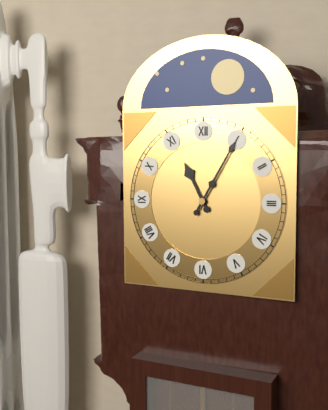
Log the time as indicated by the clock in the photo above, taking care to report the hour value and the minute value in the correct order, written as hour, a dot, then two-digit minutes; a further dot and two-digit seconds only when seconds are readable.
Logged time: 11.05
